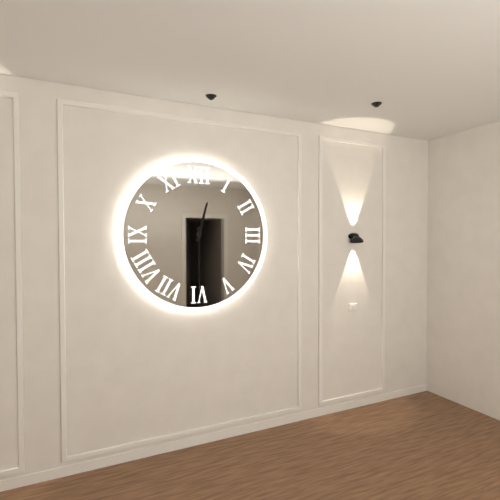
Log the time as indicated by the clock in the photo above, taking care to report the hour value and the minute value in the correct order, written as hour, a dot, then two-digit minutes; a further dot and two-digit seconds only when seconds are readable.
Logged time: 12.30
